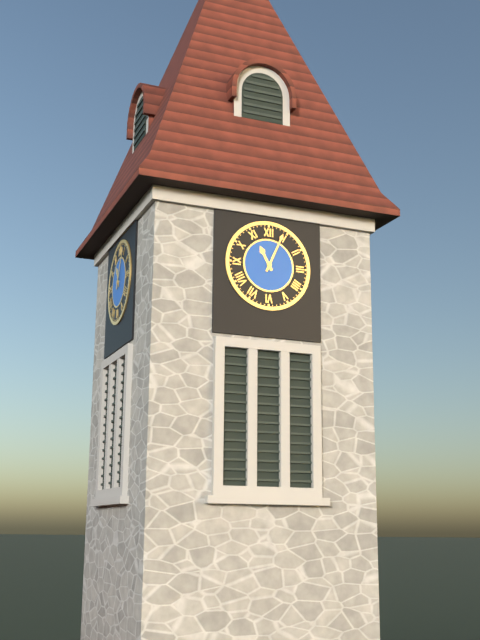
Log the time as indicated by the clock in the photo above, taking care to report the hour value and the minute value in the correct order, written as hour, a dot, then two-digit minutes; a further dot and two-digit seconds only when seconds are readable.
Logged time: 11.04
